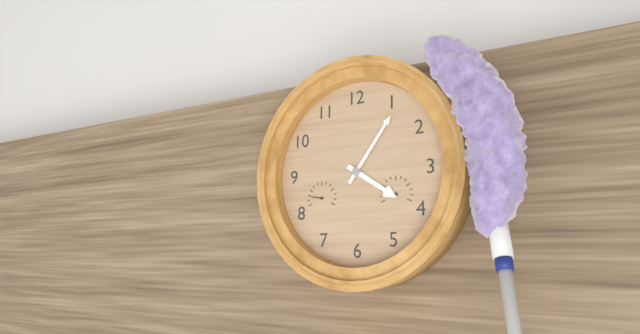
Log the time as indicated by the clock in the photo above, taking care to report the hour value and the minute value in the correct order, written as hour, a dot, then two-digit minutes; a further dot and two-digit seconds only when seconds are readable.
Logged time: 4.06
